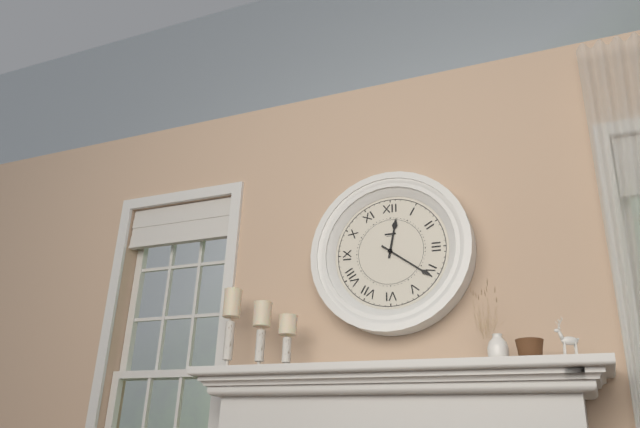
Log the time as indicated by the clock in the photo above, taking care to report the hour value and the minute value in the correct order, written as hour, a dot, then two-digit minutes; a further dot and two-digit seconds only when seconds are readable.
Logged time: 12.21
